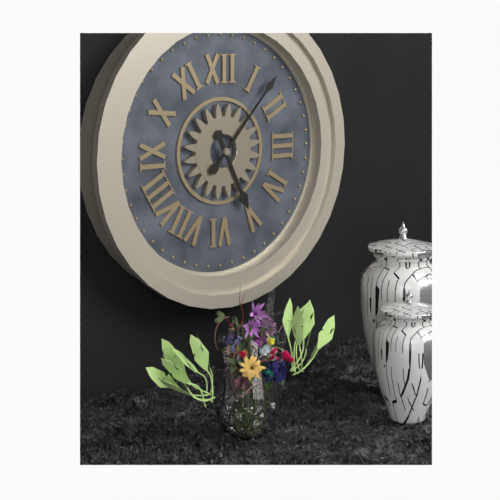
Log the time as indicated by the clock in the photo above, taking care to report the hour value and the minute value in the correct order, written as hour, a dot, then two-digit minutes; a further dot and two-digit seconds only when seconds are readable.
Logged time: 5.07
